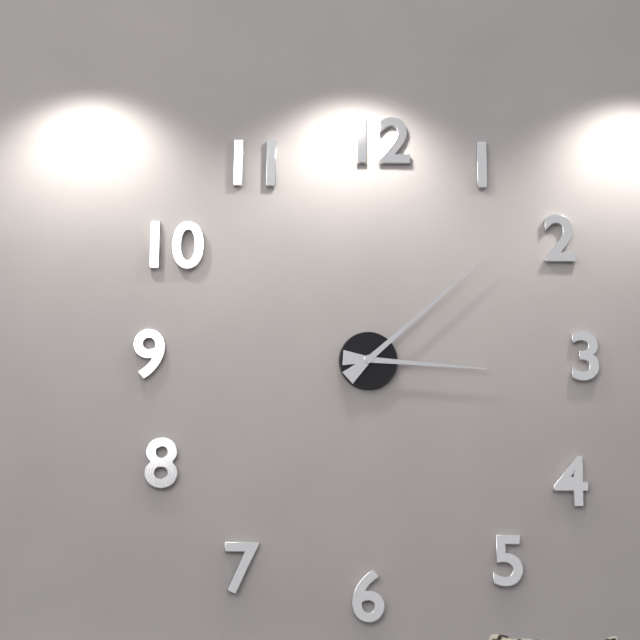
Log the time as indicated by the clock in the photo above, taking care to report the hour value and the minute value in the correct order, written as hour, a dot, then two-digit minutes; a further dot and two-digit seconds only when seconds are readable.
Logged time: 3.08
